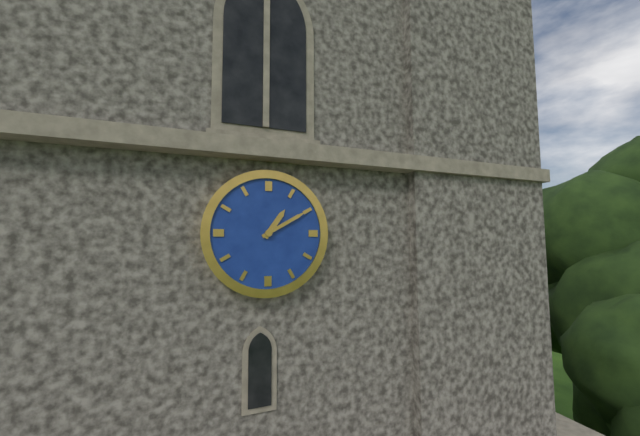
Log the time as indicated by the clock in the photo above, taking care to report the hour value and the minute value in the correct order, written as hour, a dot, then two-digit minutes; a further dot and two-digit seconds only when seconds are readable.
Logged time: 1.10
